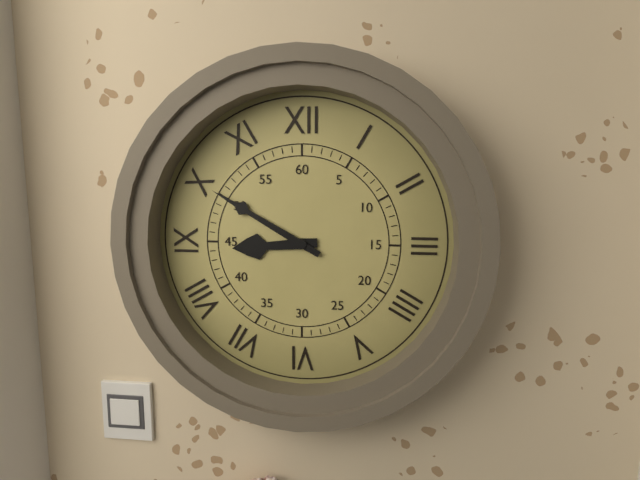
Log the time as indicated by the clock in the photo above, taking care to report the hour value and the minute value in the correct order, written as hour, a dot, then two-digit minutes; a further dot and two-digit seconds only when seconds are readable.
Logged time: 8.50
